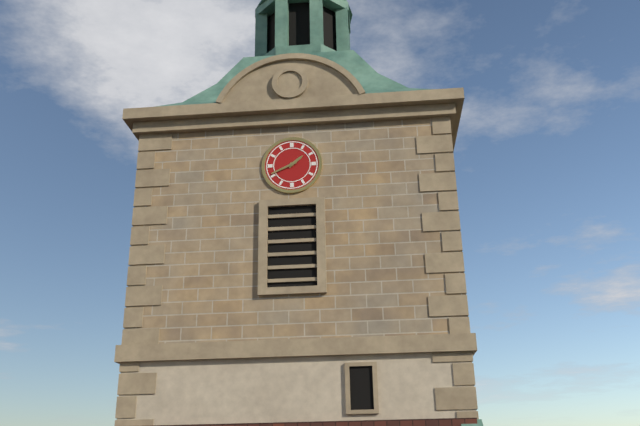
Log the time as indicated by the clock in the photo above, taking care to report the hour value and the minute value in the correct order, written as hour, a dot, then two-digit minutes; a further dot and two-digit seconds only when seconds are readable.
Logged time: 1.41
